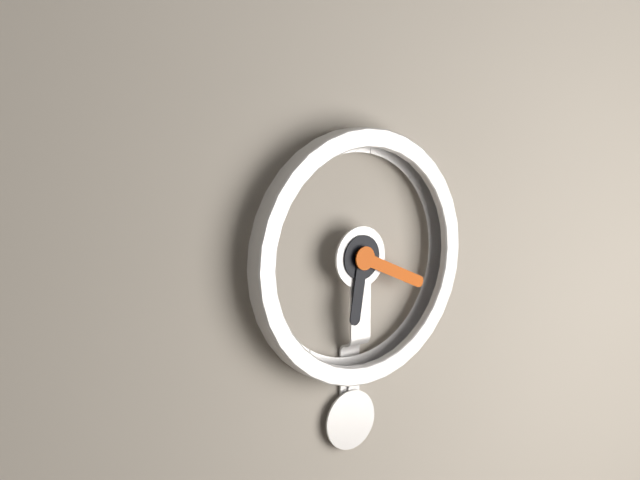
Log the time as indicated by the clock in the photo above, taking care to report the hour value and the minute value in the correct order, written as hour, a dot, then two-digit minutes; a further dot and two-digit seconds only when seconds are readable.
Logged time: 6.19
